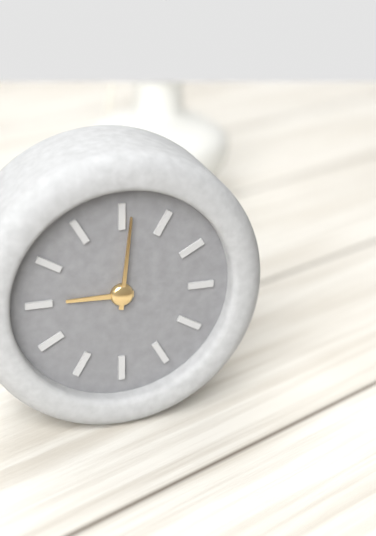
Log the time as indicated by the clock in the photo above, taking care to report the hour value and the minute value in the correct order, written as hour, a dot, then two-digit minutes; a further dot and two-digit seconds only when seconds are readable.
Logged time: 9.01
